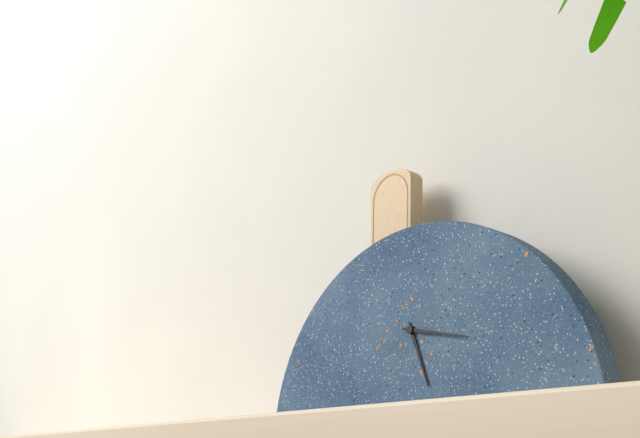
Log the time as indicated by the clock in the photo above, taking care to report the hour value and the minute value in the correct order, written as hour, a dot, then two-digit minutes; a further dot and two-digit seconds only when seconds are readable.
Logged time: 5.17
